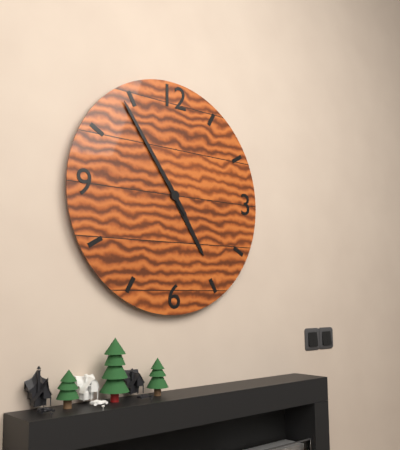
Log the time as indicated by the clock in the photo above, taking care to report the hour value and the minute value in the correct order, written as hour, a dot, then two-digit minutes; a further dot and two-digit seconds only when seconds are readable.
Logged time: 4.54
